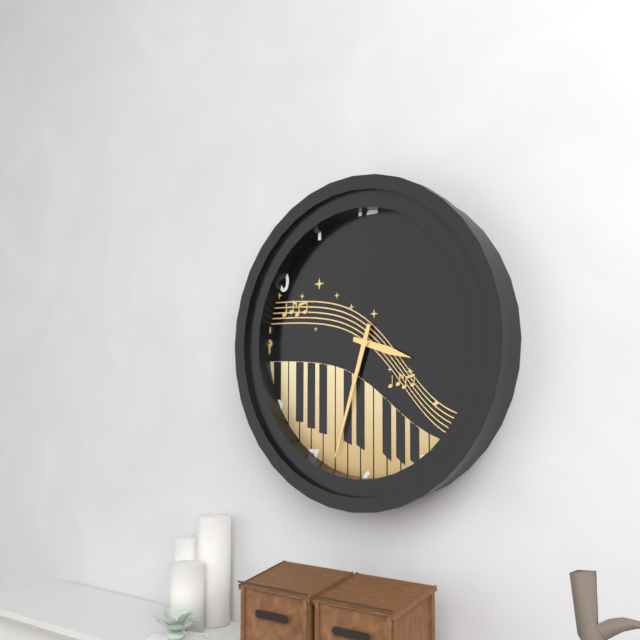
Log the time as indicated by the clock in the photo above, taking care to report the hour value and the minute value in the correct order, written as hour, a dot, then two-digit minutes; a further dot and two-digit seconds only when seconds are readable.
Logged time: 3.33
